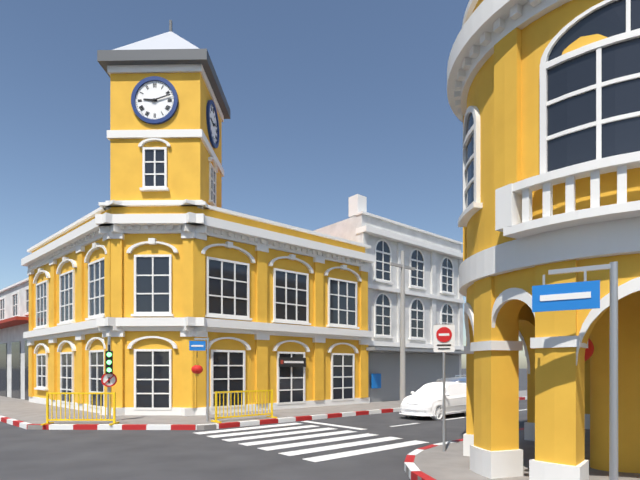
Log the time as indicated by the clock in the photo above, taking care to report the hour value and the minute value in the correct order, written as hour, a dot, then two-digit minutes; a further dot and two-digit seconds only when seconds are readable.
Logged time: 9.12
